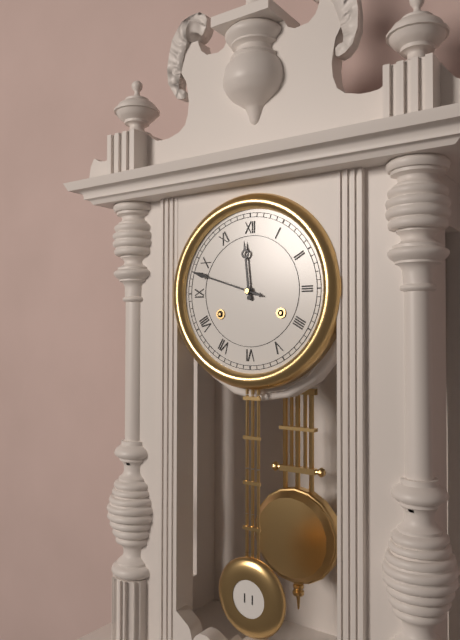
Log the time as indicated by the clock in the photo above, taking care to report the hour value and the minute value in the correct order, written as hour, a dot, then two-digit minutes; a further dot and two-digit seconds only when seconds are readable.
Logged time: 11.48
